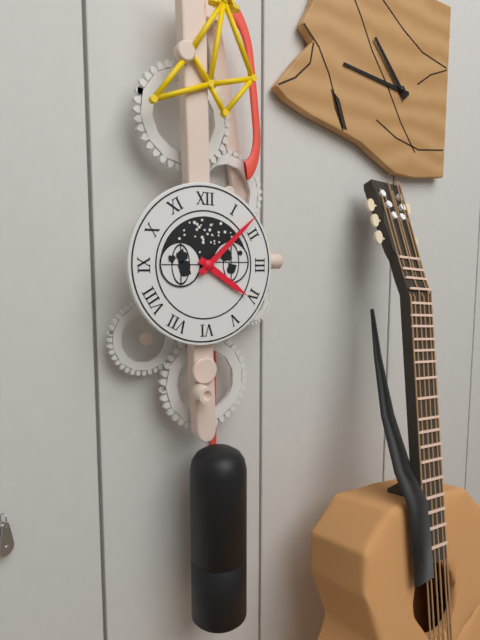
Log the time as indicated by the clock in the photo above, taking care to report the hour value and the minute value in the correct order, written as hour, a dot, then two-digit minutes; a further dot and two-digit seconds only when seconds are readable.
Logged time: 4.08
